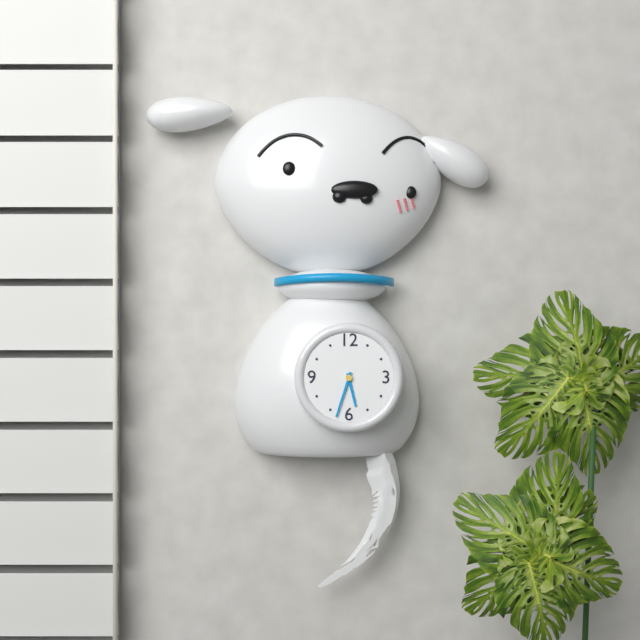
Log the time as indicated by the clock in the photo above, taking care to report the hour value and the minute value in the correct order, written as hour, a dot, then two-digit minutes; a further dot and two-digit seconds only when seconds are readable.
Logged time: 5.33
